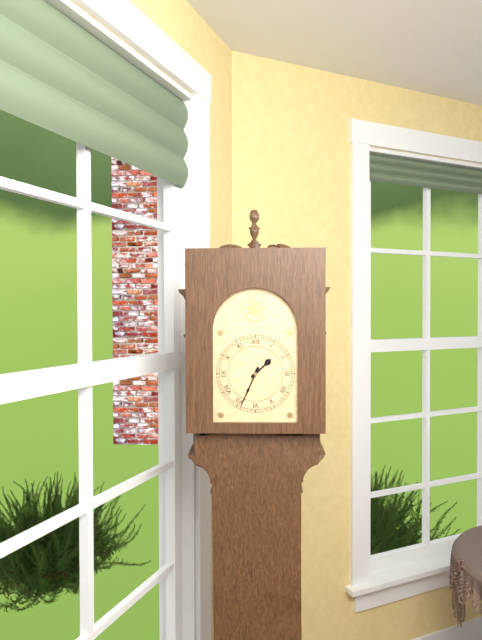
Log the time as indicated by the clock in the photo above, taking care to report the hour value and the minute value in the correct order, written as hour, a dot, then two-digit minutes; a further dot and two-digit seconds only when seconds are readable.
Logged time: 1.34
